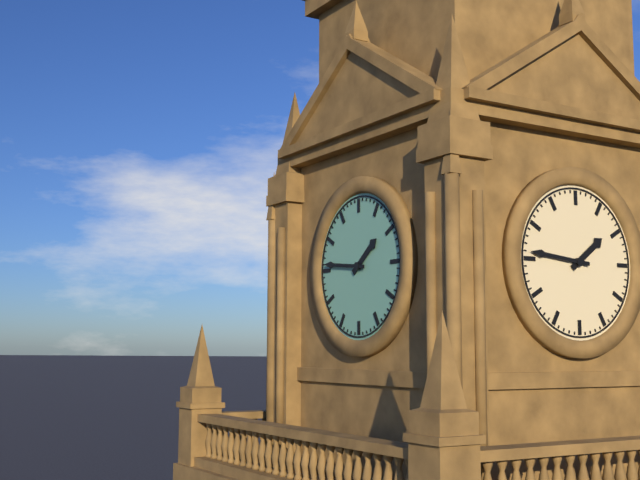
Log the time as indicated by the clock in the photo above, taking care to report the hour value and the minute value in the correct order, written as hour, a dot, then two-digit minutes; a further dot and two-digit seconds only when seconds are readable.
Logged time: 1.46
